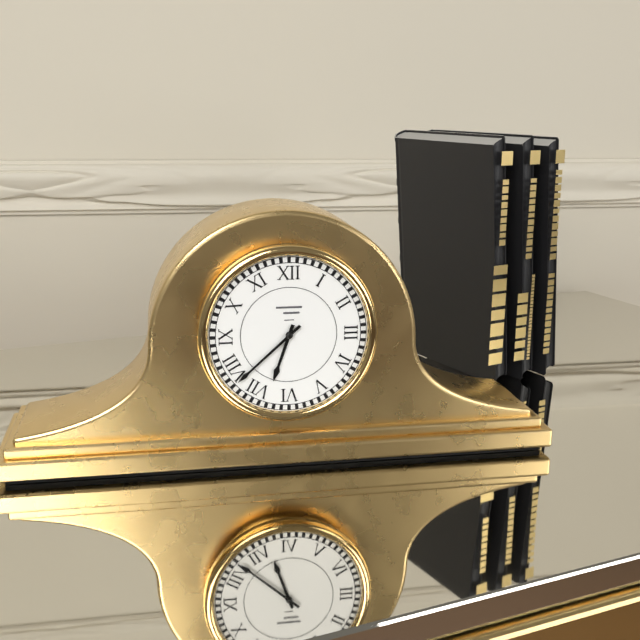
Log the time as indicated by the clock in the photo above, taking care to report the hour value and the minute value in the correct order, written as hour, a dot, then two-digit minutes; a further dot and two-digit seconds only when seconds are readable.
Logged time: 6.38
